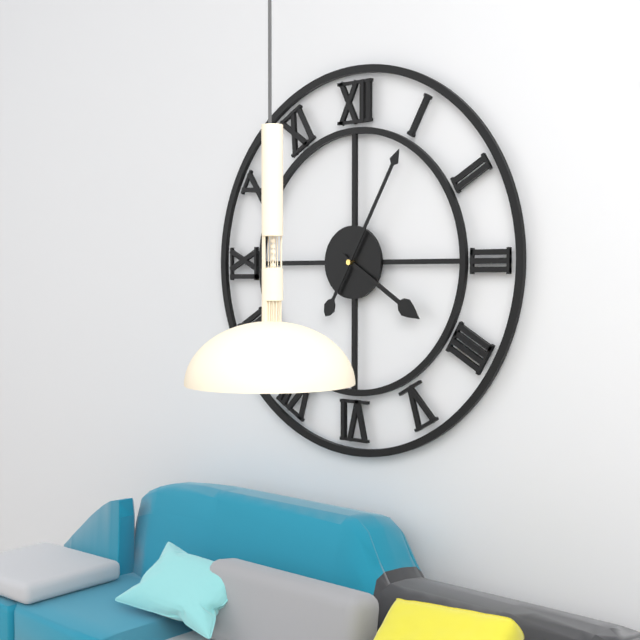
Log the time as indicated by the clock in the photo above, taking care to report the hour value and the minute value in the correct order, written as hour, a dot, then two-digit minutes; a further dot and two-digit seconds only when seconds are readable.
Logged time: 4.05
